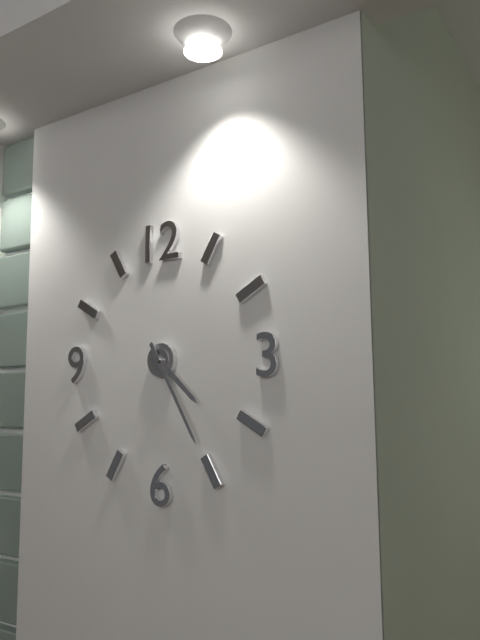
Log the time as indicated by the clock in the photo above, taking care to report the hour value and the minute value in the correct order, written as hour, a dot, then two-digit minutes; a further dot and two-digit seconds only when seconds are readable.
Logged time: 4.25
